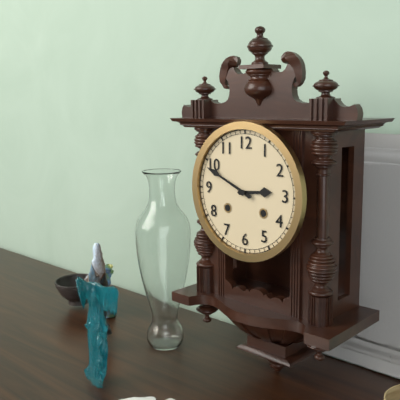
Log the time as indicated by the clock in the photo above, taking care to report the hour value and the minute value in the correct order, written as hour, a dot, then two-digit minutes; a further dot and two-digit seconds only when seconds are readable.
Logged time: 2.49
